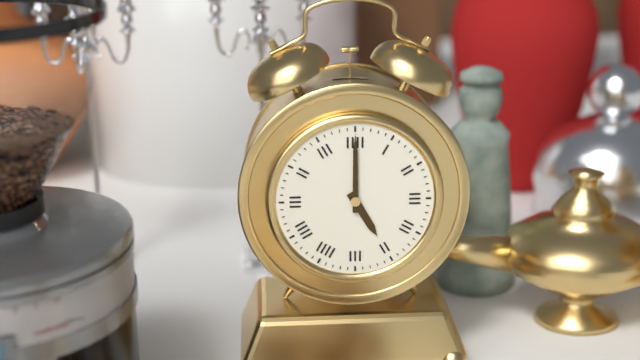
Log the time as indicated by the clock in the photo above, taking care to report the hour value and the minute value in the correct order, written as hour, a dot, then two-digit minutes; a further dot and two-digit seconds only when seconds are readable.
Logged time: 5.00
